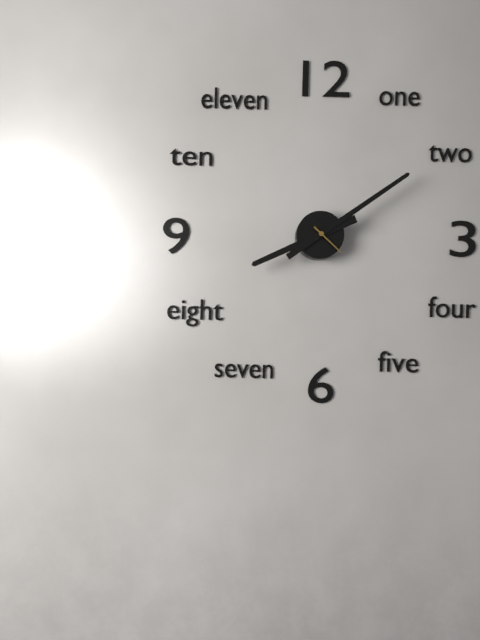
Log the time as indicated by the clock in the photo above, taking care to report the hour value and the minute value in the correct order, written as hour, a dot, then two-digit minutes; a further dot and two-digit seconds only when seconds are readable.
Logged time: 8.09
